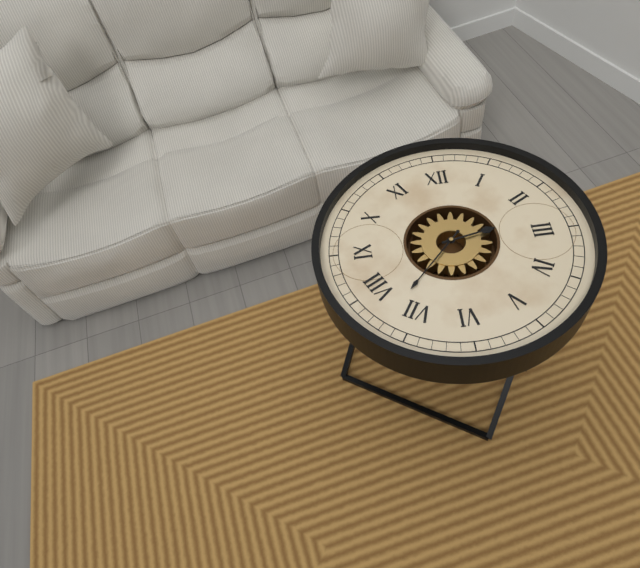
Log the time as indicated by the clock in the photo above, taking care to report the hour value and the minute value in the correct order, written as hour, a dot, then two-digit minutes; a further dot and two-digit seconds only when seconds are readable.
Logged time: 2.37
